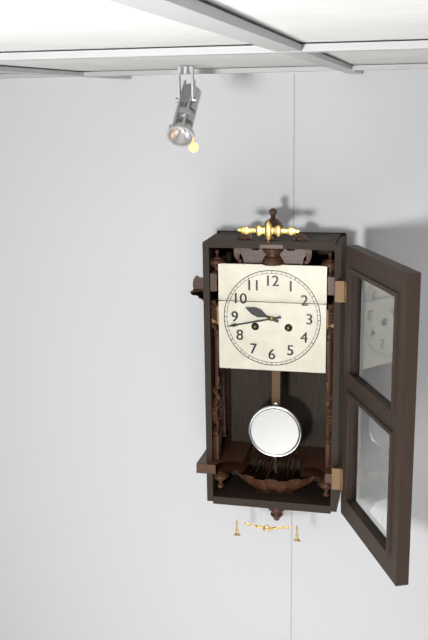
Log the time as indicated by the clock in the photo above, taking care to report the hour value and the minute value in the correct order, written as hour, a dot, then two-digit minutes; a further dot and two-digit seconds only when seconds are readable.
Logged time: 9.43
